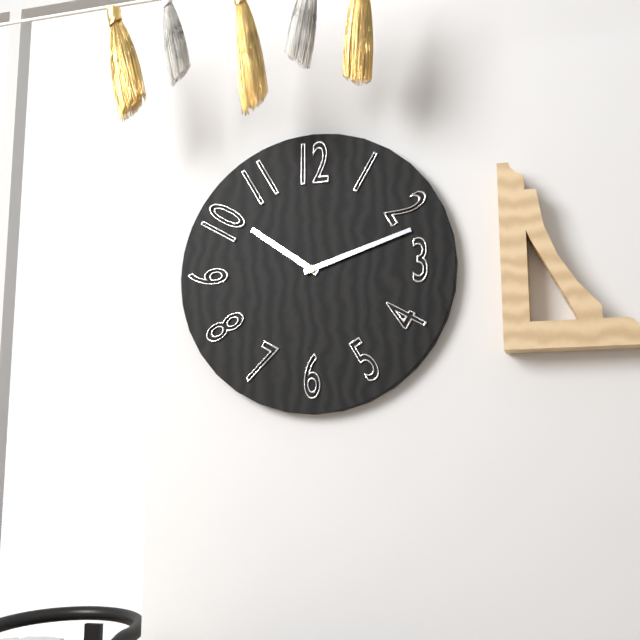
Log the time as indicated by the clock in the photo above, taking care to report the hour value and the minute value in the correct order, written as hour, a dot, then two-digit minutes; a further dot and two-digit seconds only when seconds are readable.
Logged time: 10.12
